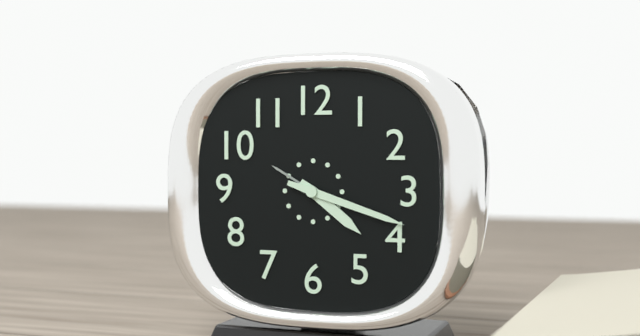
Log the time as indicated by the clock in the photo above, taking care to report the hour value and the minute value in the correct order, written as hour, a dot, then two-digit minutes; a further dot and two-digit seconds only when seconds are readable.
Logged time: 4.18
